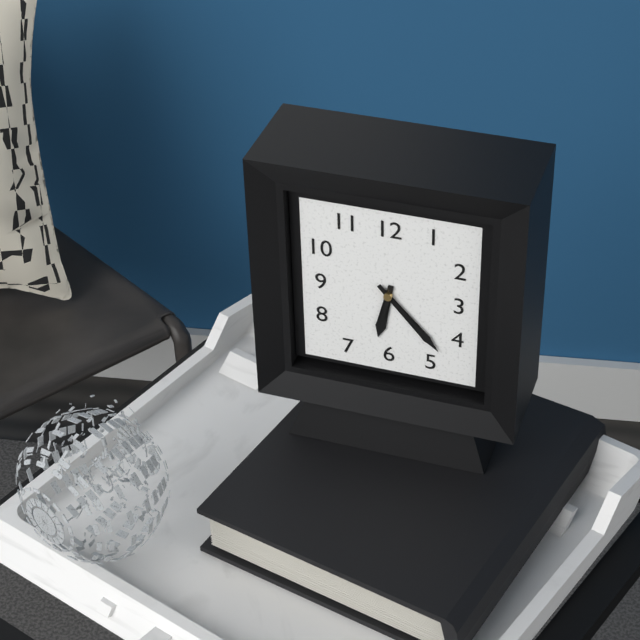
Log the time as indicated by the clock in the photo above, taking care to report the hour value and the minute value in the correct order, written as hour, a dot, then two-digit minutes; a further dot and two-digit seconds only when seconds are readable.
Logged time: 6.23
